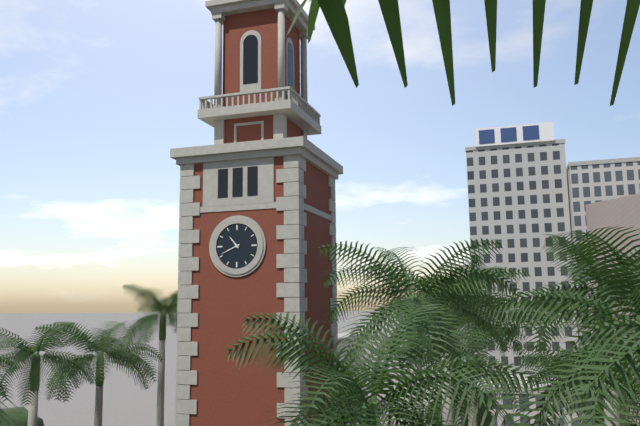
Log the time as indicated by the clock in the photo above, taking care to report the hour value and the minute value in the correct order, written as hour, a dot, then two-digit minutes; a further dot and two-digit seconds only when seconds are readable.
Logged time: 10.41
